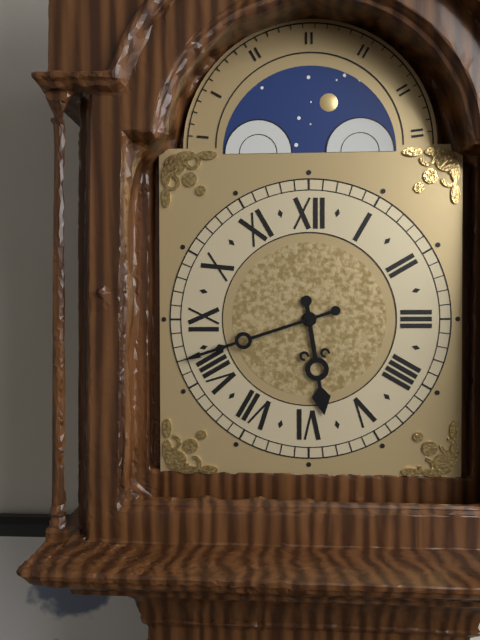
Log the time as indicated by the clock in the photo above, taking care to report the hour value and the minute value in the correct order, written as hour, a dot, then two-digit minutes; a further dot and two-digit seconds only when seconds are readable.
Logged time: 5.42
